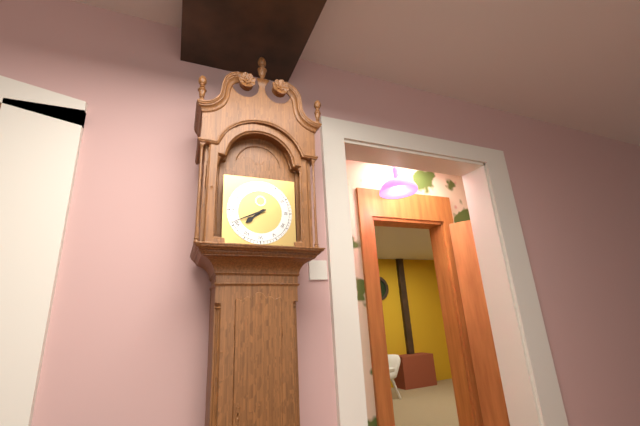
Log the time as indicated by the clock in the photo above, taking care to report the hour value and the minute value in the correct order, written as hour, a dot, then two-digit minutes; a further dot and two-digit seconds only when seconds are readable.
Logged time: 7.41
